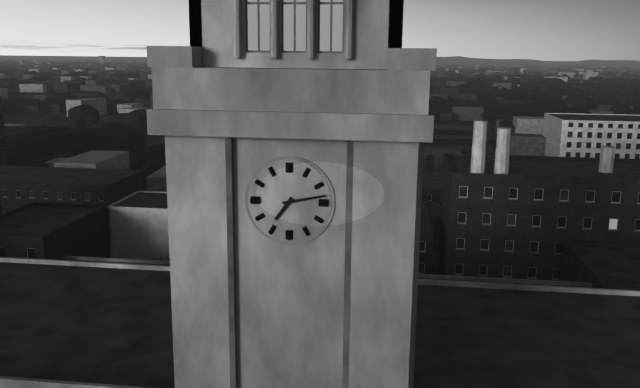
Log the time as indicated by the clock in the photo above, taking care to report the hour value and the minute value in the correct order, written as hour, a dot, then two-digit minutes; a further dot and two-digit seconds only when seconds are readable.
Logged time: 7.13
